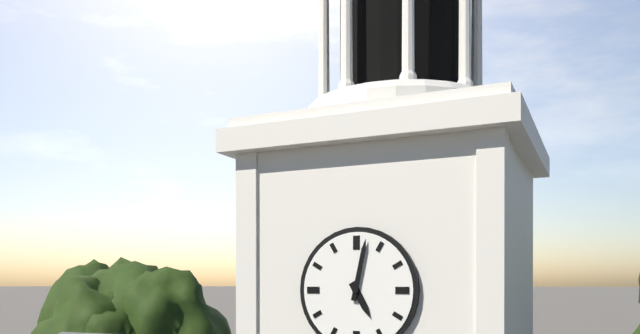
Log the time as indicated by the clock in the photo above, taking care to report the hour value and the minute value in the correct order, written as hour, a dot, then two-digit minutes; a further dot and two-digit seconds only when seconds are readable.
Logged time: 5.02
